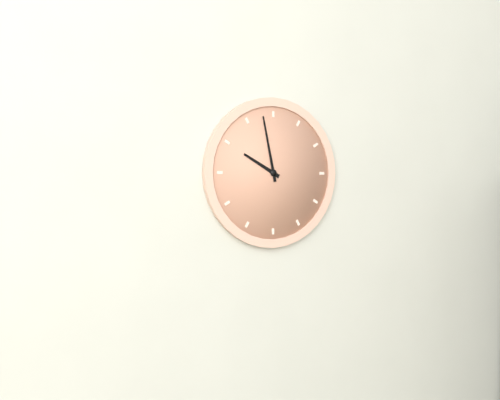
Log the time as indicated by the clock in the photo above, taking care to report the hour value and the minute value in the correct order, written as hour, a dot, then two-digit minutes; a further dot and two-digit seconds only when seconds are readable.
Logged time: 9.58
